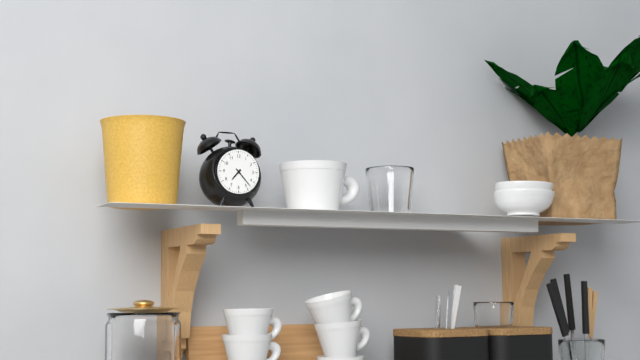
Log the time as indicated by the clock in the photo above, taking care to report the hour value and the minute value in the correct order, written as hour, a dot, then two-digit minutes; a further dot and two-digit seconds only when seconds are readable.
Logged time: 7.23
